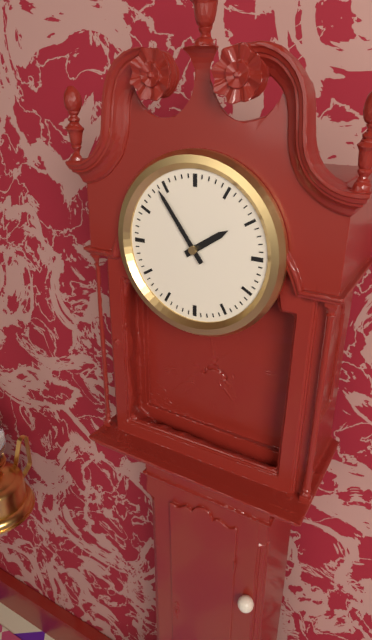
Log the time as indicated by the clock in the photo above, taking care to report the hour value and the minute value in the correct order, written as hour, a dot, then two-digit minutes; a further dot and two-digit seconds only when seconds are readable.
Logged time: 1.54
